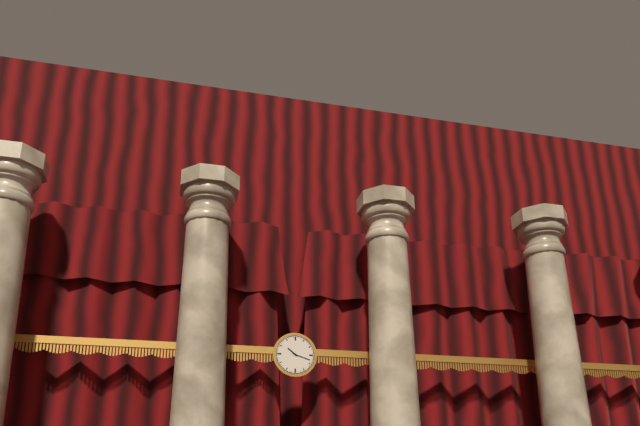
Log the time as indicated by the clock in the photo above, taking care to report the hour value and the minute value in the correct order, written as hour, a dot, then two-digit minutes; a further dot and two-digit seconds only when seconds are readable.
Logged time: 10.18
